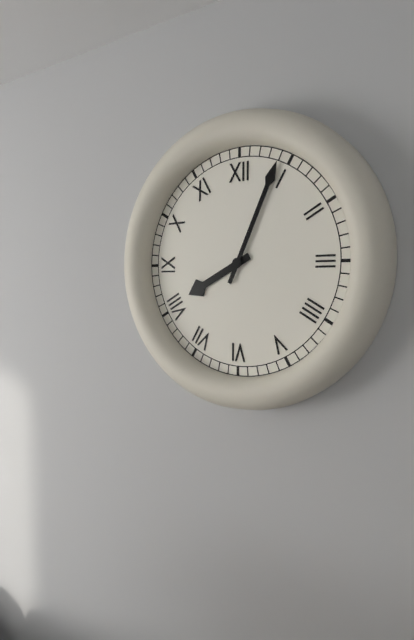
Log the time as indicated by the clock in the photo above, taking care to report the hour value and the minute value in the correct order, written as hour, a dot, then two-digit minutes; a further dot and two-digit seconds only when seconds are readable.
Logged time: 8.04
